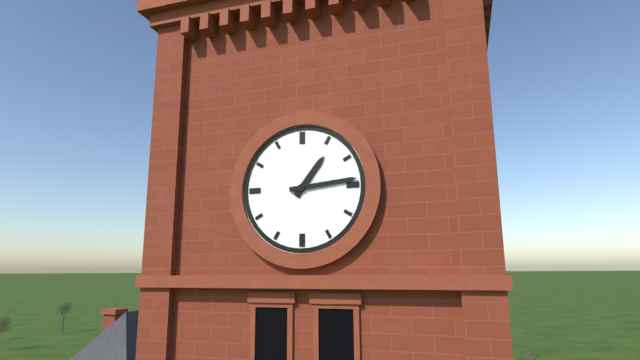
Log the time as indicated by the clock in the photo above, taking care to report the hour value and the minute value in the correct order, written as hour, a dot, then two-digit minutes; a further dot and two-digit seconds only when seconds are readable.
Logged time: 1.14
